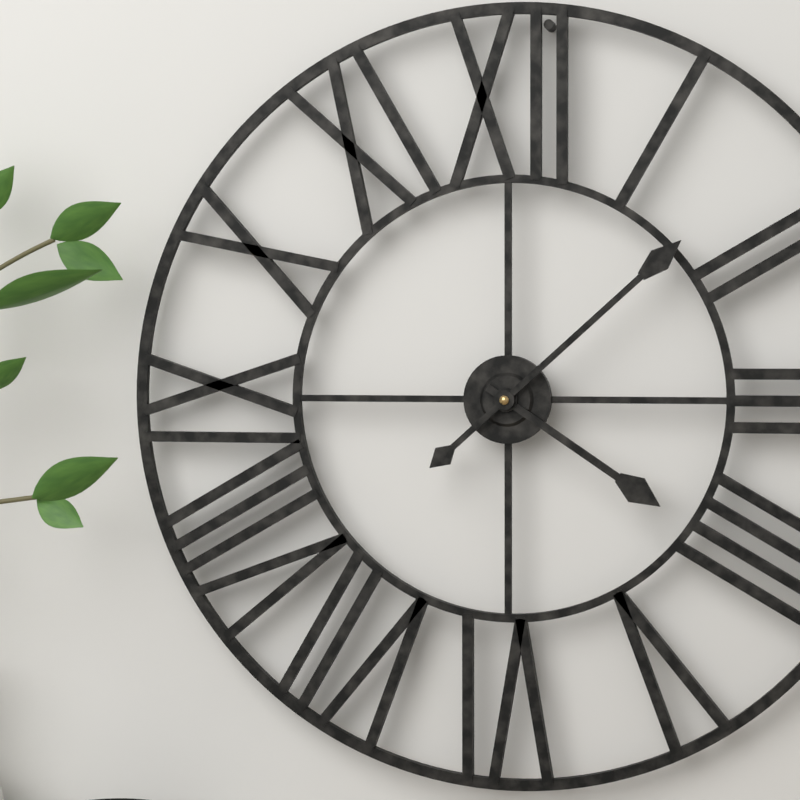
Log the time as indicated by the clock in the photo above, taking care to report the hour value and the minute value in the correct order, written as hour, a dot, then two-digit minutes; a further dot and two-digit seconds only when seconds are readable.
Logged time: 4.08
